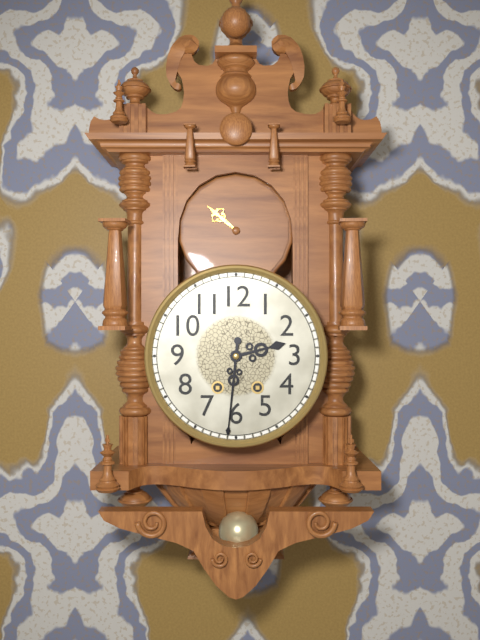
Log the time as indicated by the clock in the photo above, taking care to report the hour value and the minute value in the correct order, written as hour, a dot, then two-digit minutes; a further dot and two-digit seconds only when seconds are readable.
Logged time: 2.31
